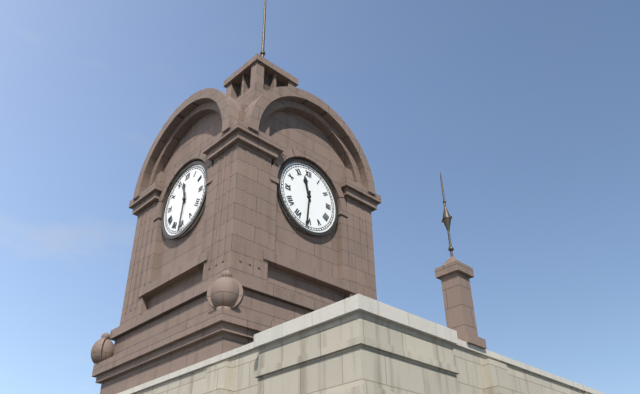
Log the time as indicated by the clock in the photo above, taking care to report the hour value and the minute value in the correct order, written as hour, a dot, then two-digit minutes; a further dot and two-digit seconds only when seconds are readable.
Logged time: 11.31
